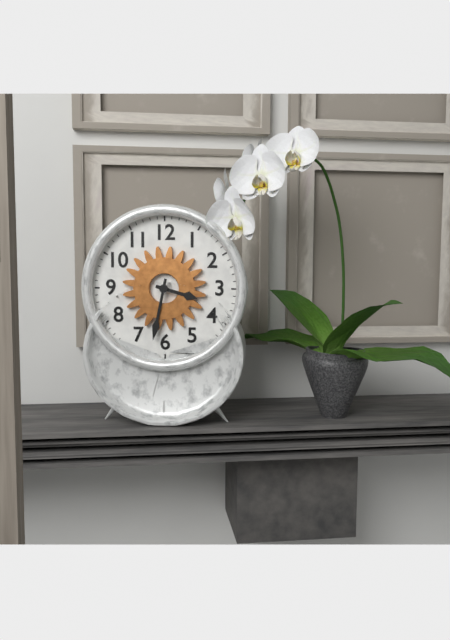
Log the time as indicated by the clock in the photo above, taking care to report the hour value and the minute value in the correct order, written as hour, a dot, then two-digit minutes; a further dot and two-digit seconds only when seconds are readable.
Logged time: 3.32
